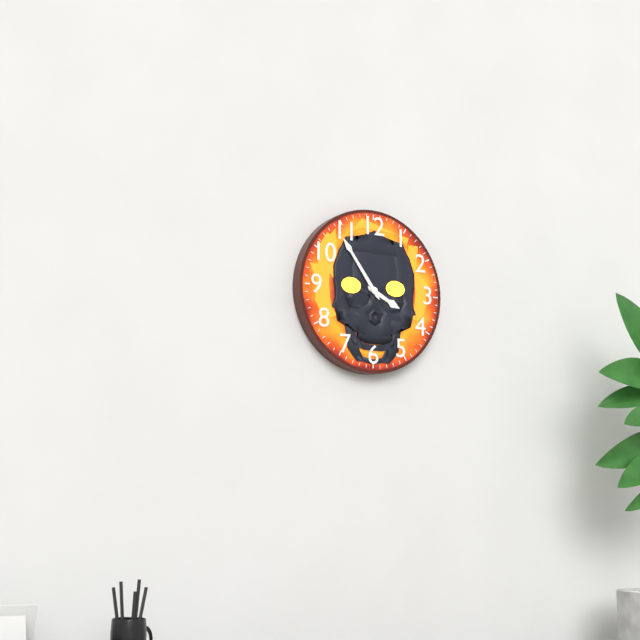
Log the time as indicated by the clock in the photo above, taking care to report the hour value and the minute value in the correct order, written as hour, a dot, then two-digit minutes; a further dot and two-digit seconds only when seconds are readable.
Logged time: 3.54
